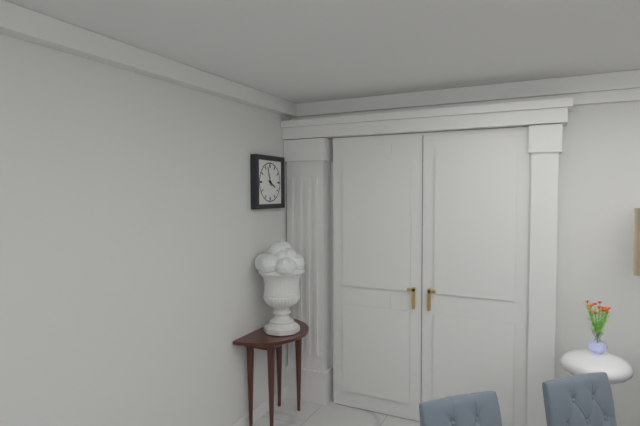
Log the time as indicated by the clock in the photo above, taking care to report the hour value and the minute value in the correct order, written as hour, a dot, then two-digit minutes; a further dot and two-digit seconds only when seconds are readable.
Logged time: 3.57
